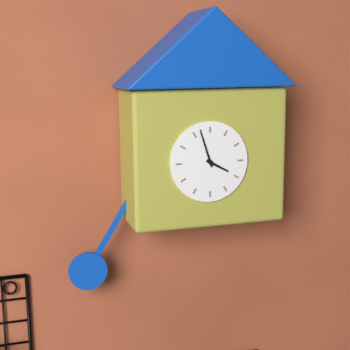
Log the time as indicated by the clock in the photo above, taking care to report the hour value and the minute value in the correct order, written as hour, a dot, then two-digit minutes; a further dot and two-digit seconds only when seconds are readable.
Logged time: 3.57
